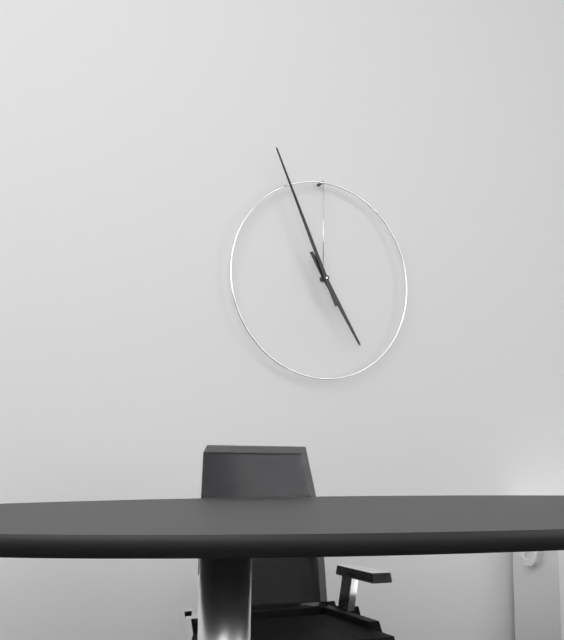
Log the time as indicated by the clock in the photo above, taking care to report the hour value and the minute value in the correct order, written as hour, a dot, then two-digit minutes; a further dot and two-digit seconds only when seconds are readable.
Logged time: 4.56
